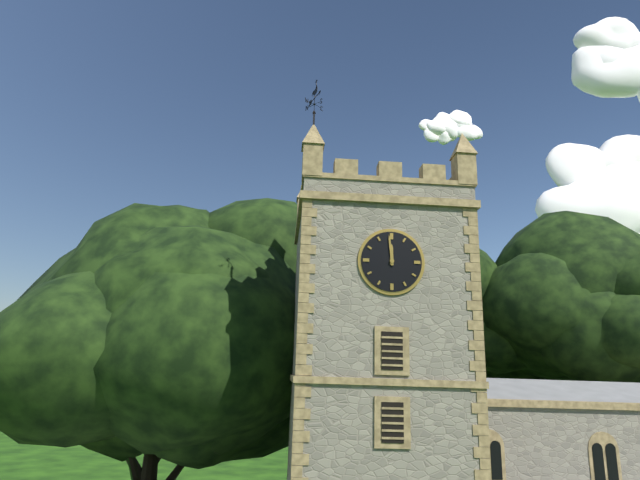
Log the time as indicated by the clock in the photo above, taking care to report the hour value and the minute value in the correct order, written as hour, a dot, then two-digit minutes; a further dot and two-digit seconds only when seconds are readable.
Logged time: 11.59
